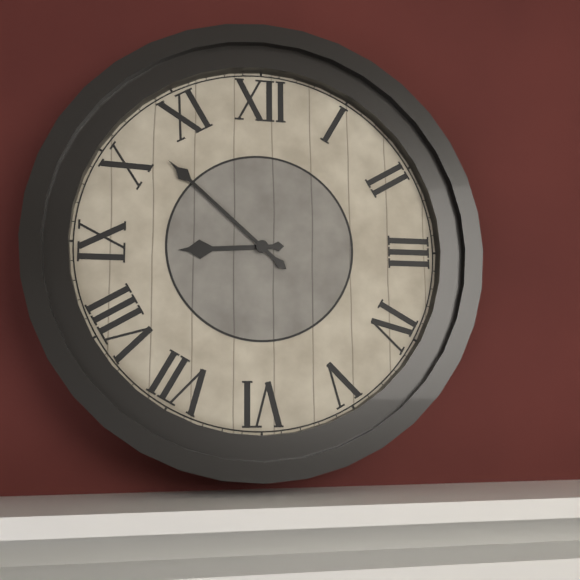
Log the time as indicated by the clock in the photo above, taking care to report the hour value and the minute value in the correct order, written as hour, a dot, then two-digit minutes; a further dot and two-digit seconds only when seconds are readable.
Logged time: 8.52
